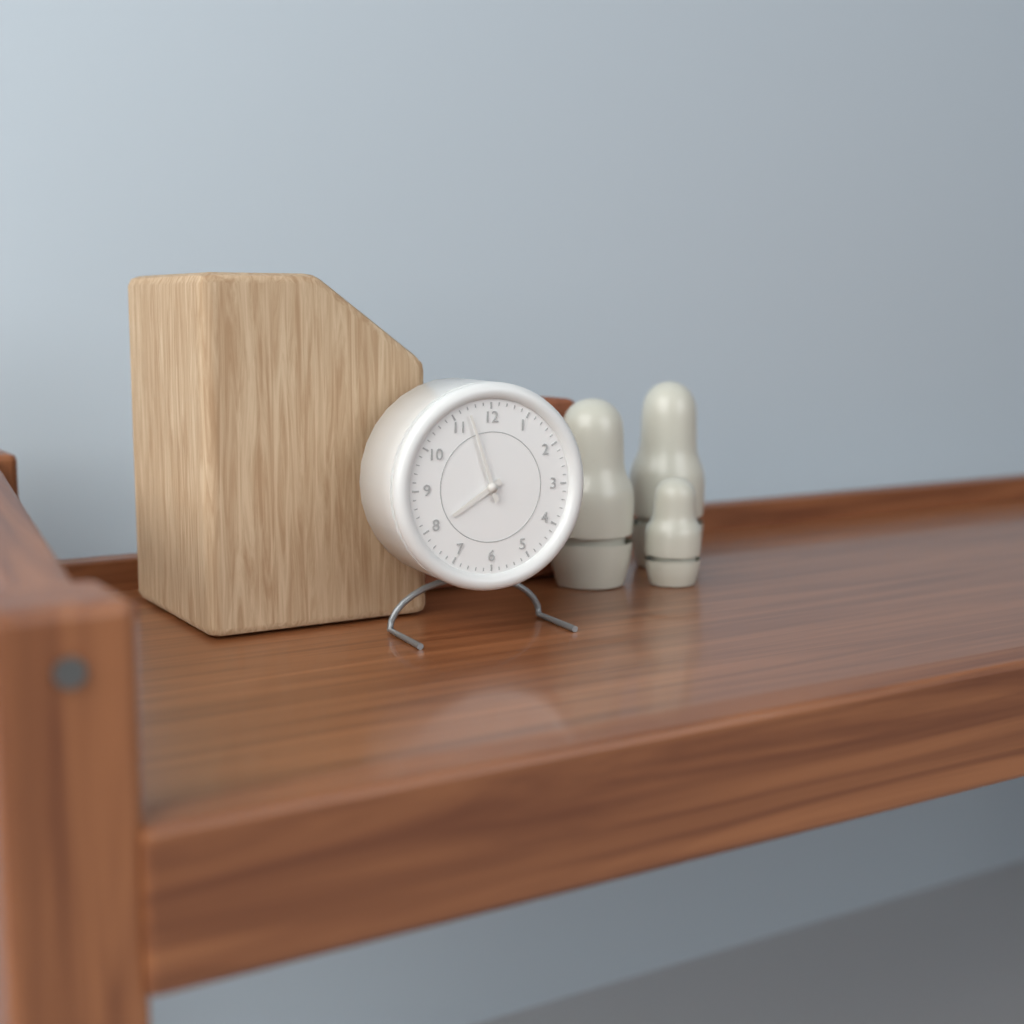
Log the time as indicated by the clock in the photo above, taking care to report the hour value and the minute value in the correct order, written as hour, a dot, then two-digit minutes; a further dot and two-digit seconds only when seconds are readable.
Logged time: 7.57
